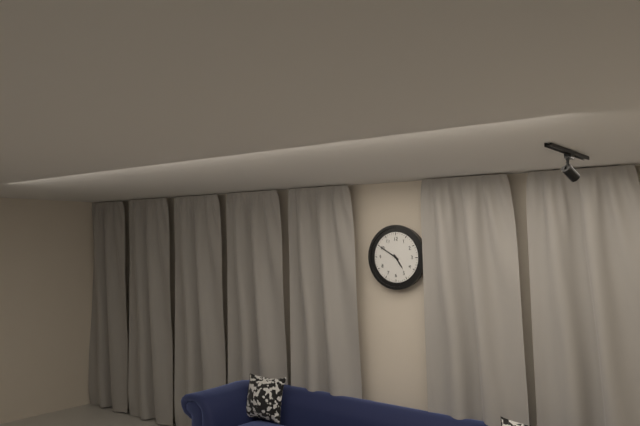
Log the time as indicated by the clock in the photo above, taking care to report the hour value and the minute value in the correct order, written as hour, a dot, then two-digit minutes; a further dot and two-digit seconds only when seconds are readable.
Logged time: 4.50
